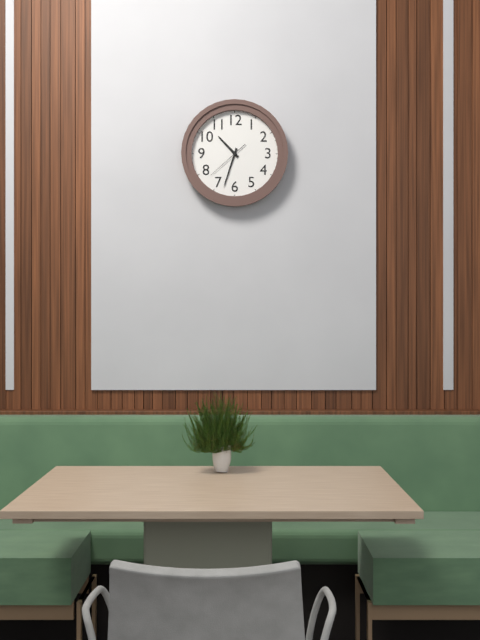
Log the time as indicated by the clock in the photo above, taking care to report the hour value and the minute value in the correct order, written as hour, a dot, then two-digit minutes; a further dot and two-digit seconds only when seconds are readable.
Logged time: 10.33
